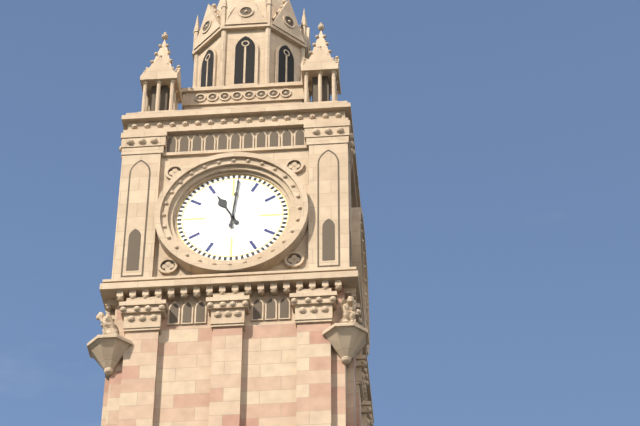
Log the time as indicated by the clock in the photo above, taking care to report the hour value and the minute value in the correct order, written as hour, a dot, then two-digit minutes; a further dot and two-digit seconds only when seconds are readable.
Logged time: 11.01
